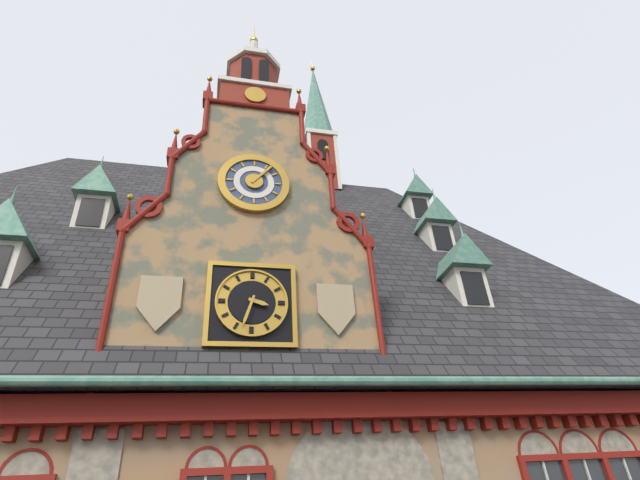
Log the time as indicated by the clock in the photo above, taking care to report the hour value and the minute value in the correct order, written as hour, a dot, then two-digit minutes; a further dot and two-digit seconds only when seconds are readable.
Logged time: 3.33
